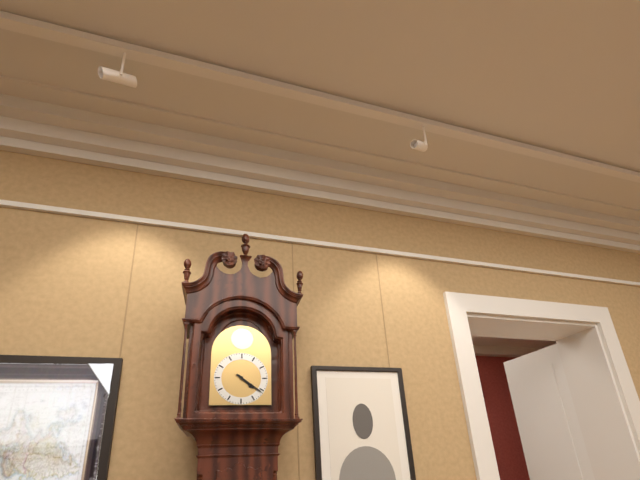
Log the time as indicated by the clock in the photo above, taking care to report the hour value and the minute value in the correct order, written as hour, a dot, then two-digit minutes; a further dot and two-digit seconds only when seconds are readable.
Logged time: 4.21
